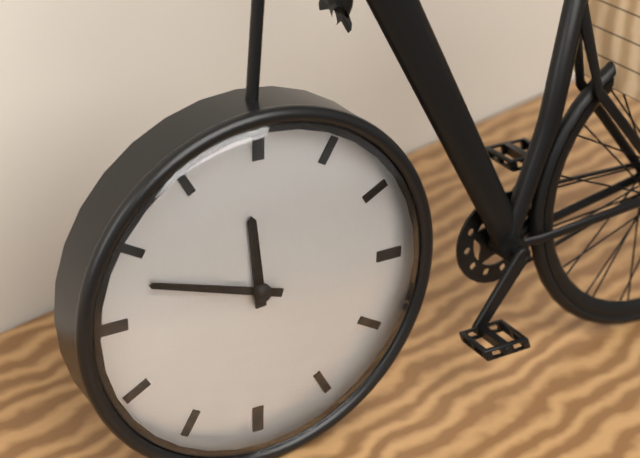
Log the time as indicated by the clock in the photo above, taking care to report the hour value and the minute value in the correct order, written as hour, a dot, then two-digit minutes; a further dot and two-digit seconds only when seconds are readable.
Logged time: 11.48
